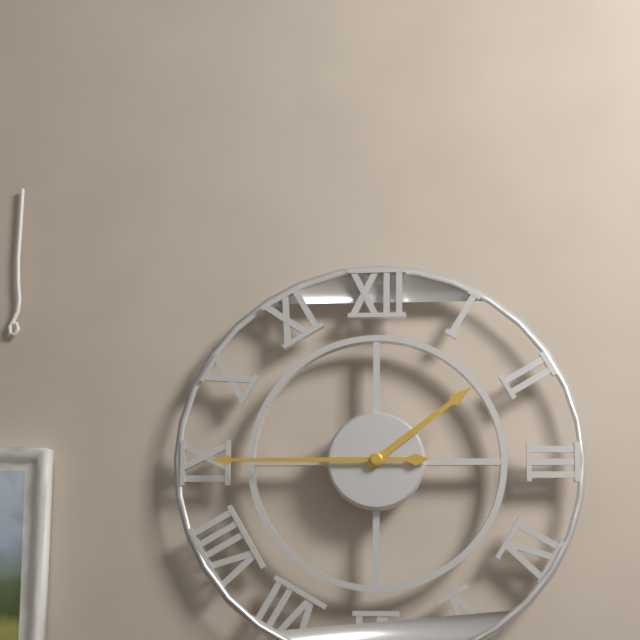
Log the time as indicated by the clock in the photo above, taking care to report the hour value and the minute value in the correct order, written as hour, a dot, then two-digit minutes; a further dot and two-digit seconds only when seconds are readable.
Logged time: 1.45
